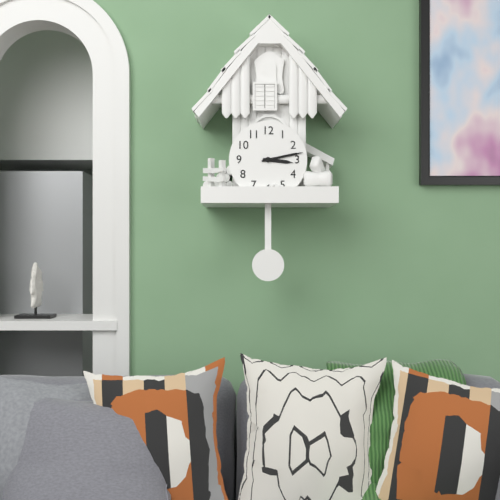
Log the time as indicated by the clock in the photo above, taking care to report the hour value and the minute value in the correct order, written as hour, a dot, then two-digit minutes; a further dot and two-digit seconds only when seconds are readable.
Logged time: 3.13
